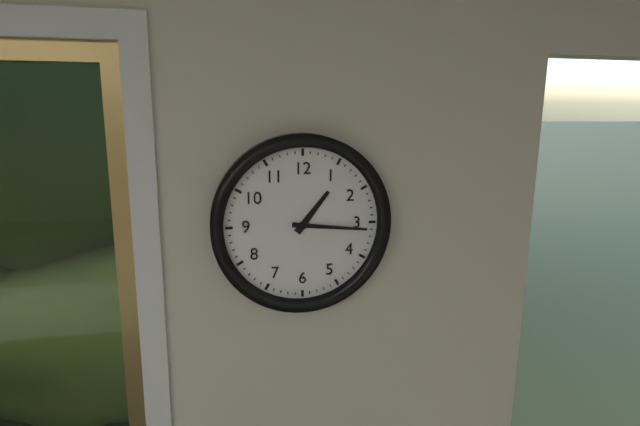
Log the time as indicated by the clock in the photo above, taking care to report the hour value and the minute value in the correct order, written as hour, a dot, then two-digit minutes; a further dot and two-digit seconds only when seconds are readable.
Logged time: 1.16
